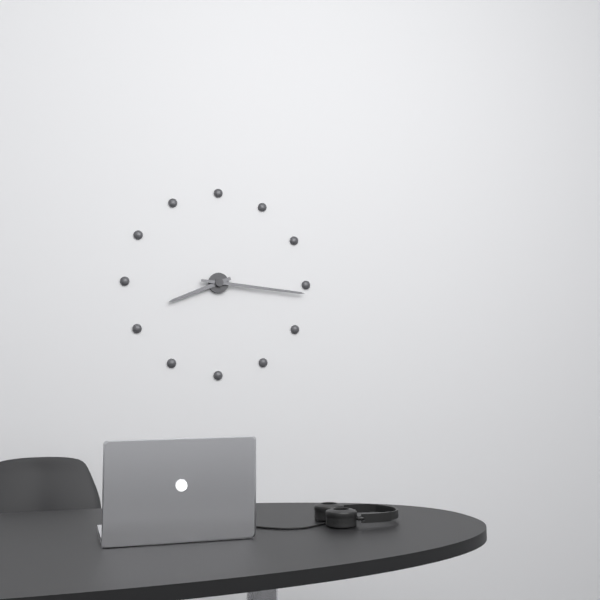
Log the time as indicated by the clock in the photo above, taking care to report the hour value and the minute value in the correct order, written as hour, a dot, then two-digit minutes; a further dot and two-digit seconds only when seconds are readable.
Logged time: 8.16
